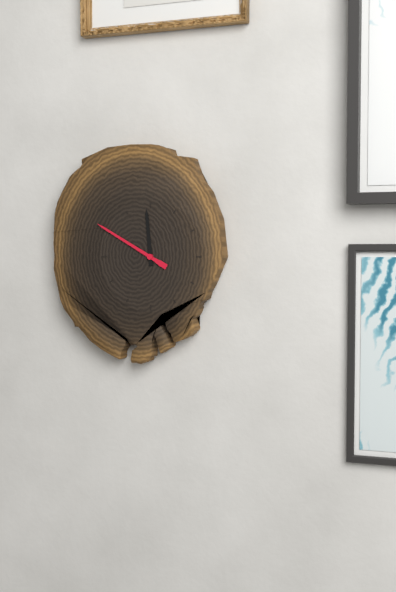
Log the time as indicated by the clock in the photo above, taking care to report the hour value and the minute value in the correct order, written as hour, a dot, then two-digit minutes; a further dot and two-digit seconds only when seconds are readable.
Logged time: 11.50
